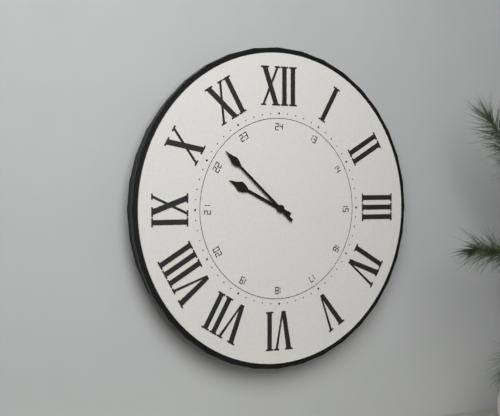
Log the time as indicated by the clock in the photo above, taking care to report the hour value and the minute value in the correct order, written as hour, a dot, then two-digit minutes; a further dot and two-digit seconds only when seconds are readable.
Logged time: 9.52
